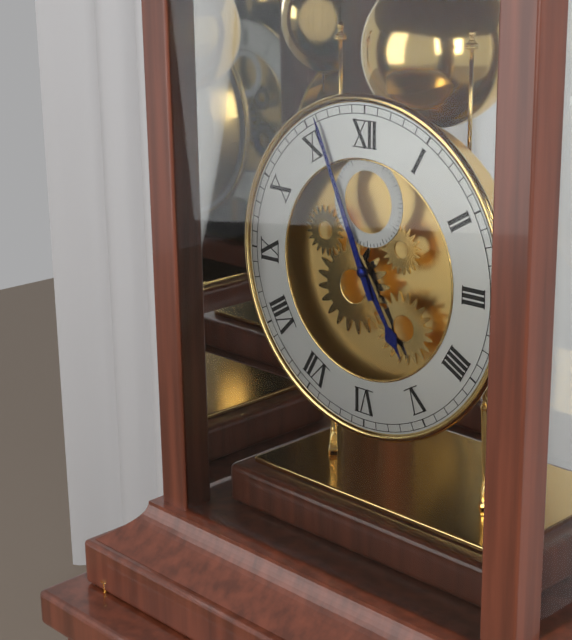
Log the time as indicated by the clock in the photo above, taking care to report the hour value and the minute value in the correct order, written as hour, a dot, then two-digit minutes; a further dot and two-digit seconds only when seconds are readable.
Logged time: 4.56
